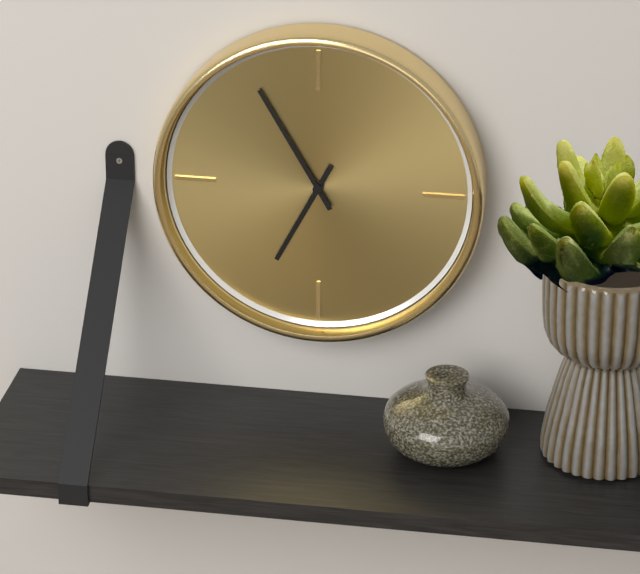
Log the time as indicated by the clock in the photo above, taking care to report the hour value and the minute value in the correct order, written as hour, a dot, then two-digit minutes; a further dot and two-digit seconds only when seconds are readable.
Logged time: 6.55
